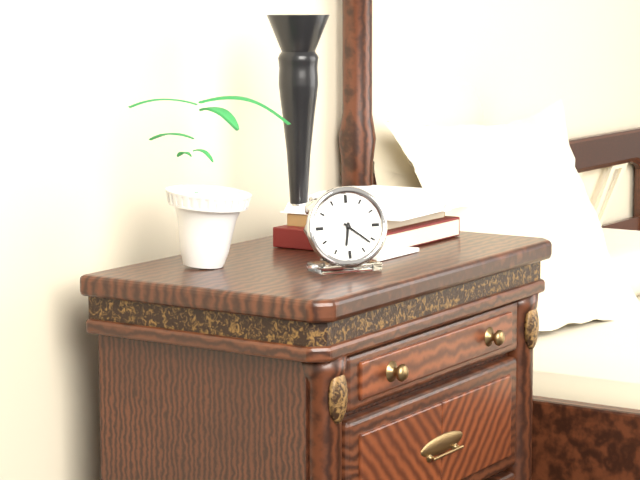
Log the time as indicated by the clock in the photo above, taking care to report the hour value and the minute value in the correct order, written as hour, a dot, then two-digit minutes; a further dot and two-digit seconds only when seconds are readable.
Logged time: 6.21
